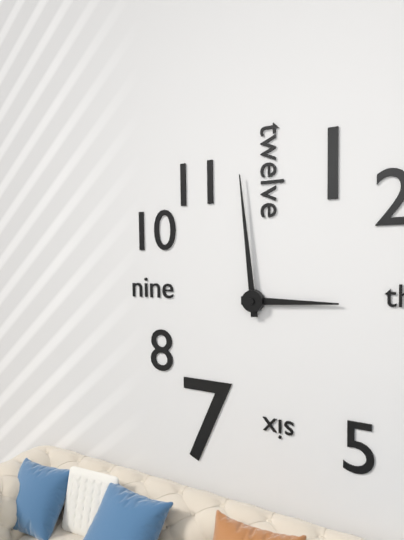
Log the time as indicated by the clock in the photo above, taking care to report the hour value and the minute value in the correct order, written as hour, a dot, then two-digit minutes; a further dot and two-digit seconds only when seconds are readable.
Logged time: 2.59
